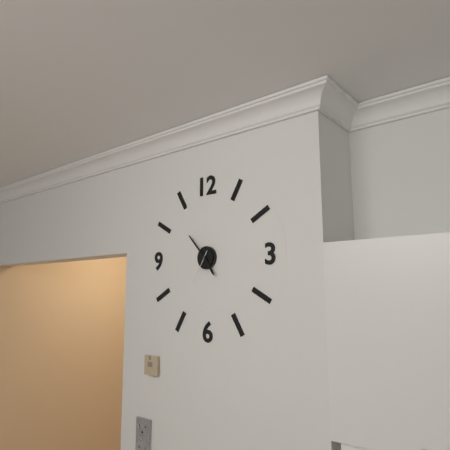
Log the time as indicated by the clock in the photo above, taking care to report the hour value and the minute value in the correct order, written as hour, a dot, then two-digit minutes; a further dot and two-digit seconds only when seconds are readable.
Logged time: 4.53
